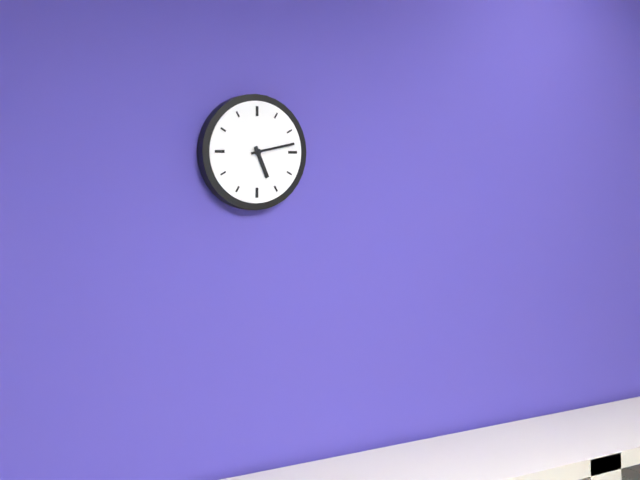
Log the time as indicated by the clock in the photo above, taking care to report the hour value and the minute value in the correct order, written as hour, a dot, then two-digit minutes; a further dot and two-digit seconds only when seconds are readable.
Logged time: 5.13
